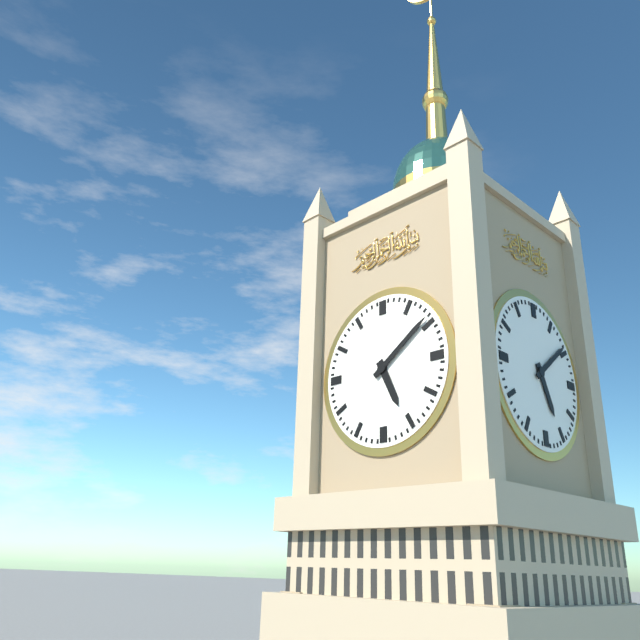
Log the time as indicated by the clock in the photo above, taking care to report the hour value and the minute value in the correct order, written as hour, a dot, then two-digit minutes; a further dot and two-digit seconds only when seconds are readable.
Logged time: 5.09
